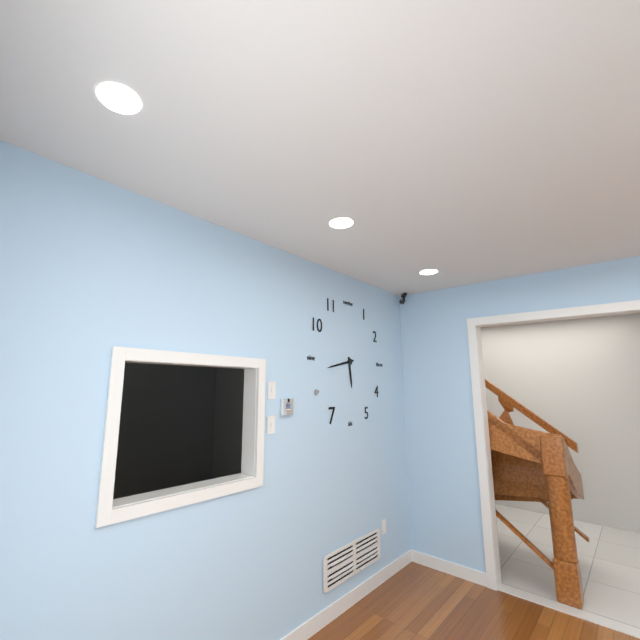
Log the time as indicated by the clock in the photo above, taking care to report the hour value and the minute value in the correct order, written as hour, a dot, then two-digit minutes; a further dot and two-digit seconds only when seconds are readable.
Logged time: 5.43
